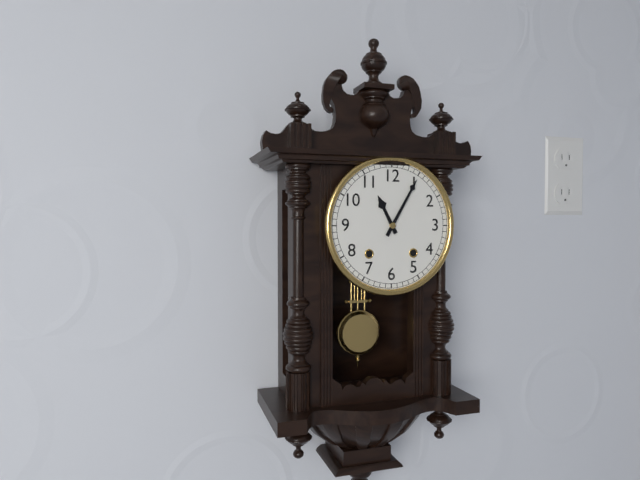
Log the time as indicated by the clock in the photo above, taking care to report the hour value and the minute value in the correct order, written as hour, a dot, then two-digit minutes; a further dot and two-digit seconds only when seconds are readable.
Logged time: 11.05
